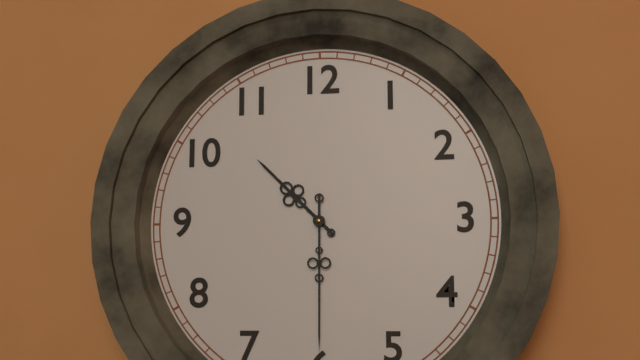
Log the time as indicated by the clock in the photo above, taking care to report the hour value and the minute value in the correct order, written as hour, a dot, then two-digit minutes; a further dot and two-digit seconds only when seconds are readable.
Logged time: 10.30
